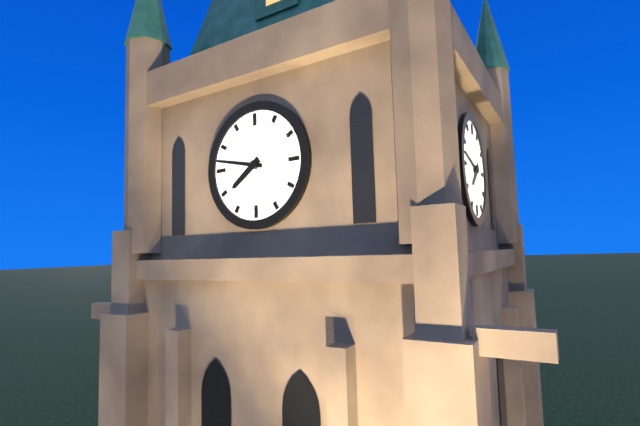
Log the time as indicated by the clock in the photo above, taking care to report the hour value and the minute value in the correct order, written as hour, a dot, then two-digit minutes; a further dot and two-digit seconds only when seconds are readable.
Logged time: 7.47
